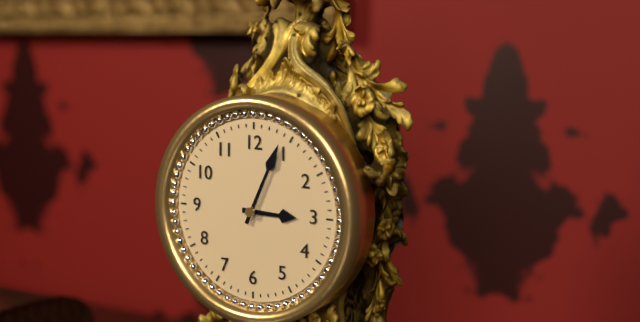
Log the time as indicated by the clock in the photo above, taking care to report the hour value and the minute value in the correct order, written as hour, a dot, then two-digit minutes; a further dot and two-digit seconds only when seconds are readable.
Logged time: 3.04
